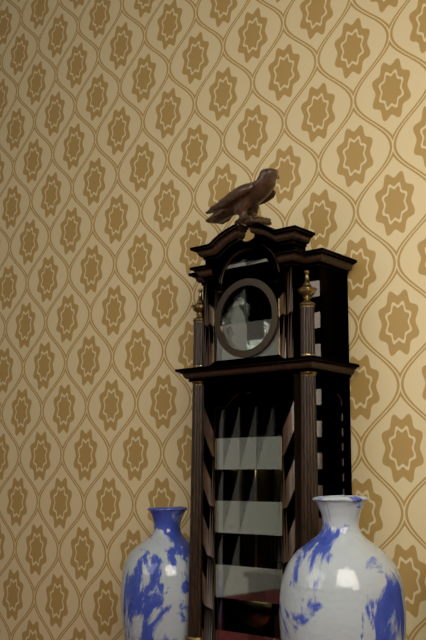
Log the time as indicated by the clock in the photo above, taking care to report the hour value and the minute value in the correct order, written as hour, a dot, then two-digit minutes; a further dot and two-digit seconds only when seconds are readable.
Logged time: 10.59
